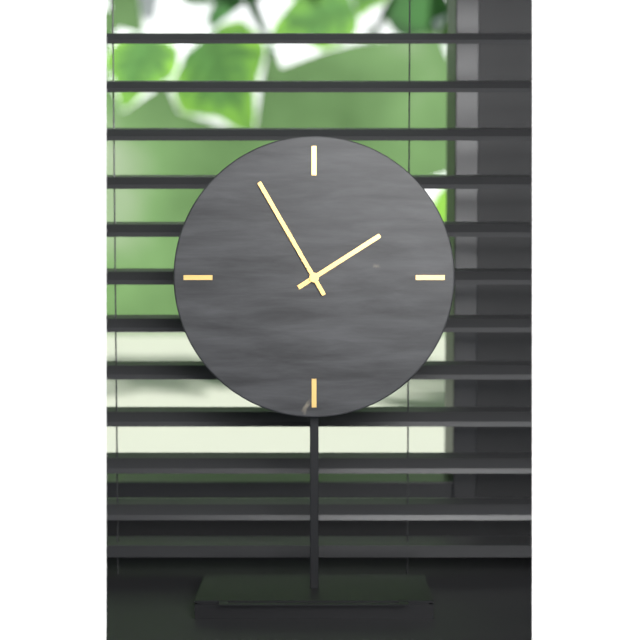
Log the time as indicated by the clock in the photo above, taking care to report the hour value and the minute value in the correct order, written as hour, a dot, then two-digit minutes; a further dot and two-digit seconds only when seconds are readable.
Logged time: 1.55
